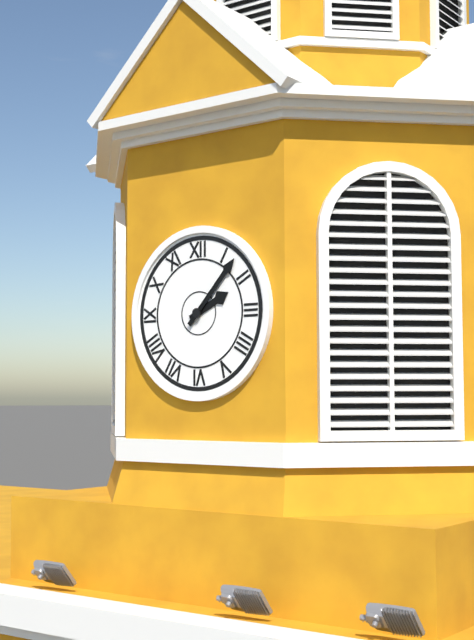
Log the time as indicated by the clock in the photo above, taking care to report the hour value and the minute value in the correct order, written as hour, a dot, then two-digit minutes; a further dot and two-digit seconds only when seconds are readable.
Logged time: 2.07
